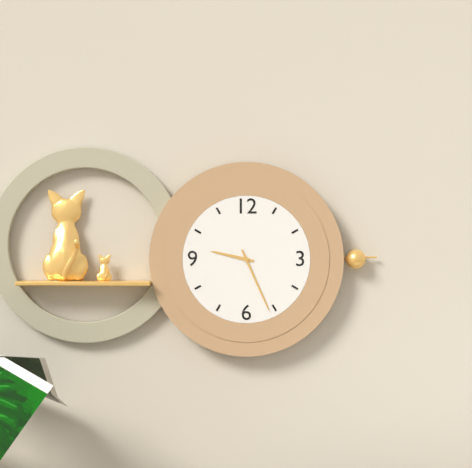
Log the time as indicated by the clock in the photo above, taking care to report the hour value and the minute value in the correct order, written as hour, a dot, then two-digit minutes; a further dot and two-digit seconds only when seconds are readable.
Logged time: 9.26
